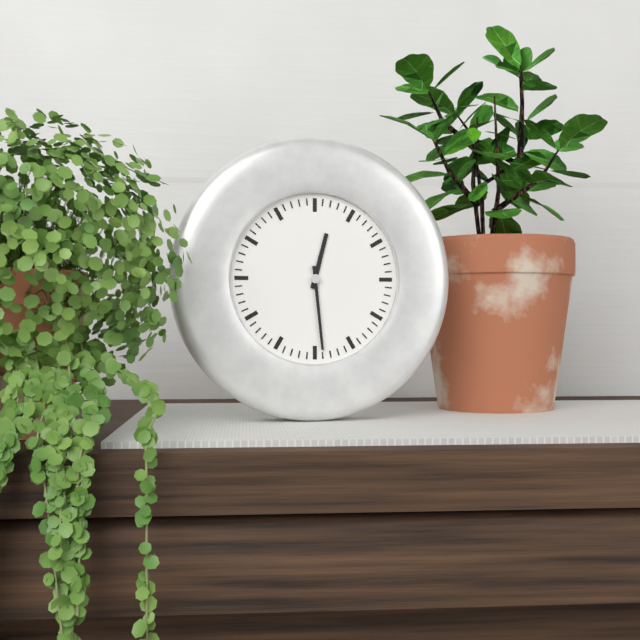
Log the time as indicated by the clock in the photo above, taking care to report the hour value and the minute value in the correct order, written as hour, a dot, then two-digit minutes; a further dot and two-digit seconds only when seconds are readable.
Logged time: 12.29
